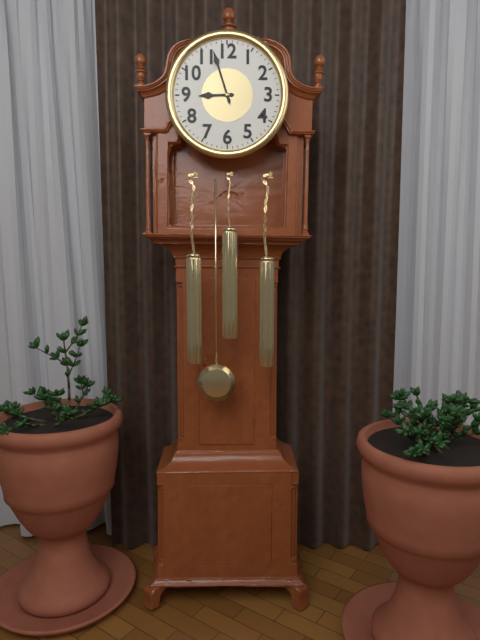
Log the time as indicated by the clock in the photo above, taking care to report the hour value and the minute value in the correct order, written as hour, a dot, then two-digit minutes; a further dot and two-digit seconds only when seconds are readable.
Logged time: 8.57
